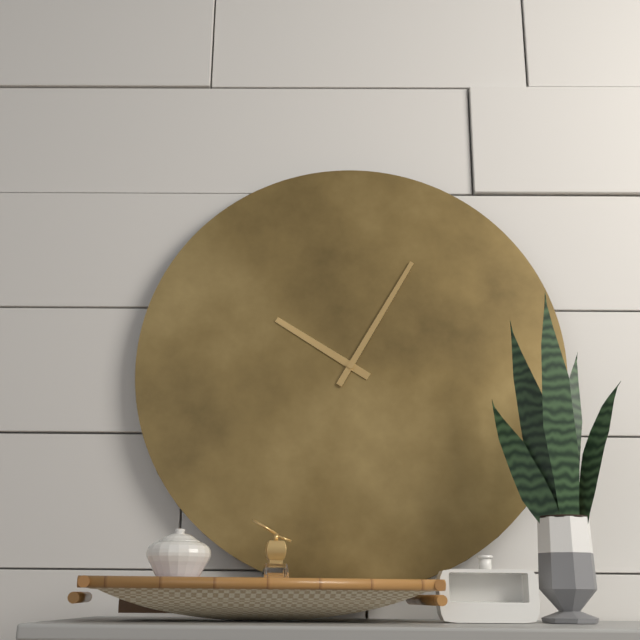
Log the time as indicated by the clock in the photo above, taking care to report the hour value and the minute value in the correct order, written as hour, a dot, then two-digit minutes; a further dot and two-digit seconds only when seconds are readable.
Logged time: 10.05
